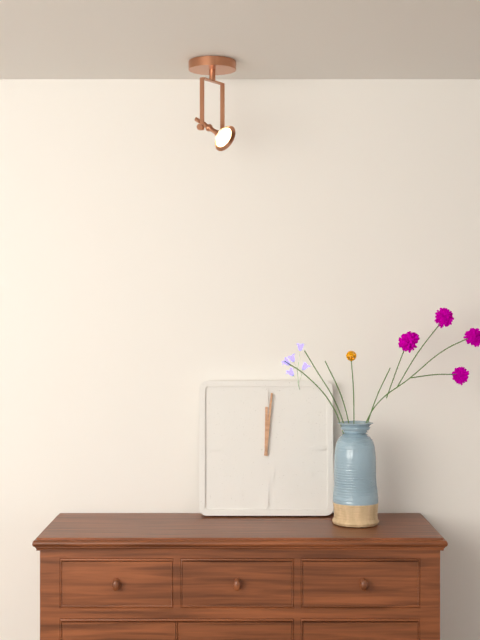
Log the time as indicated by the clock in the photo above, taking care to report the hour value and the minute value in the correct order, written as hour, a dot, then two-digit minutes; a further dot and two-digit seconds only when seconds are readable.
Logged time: 12.01
